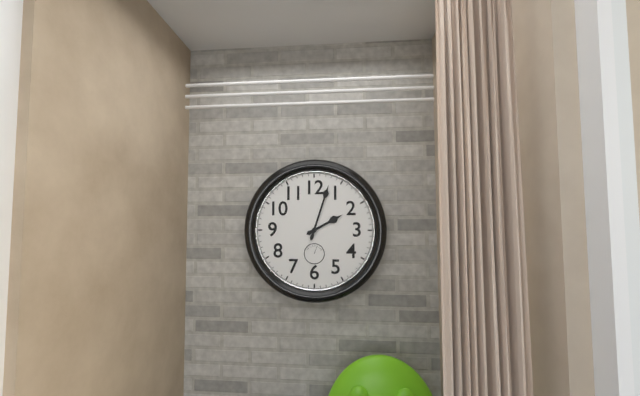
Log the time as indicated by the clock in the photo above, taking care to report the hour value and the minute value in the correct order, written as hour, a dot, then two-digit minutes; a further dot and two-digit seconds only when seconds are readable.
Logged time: 2.03
